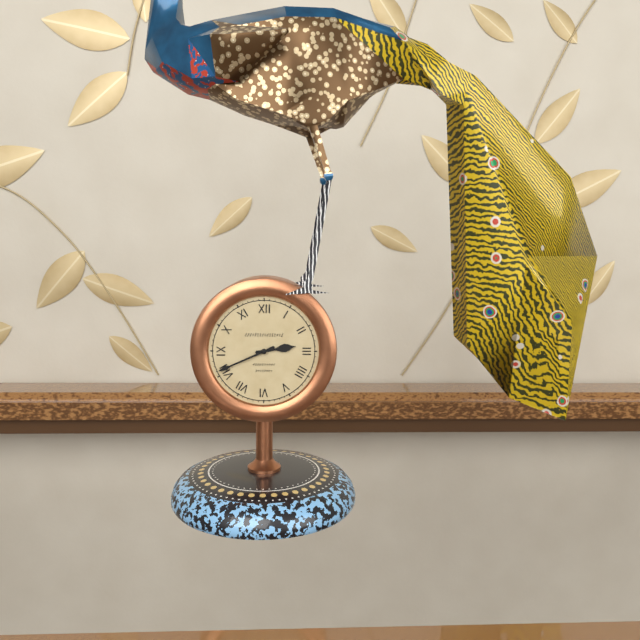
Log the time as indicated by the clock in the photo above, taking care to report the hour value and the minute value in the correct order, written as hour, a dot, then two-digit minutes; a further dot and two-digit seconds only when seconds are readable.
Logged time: 2.41
